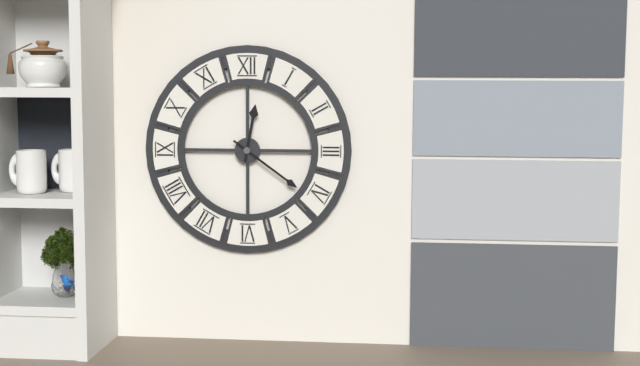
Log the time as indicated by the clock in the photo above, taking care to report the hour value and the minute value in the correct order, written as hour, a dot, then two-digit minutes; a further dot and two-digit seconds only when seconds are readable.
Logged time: 12.21
